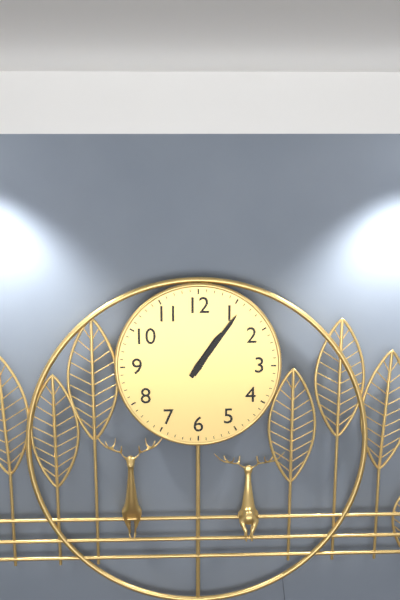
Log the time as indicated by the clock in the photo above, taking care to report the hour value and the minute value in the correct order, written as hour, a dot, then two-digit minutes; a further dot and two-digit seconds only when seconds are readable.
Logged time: 1.06
